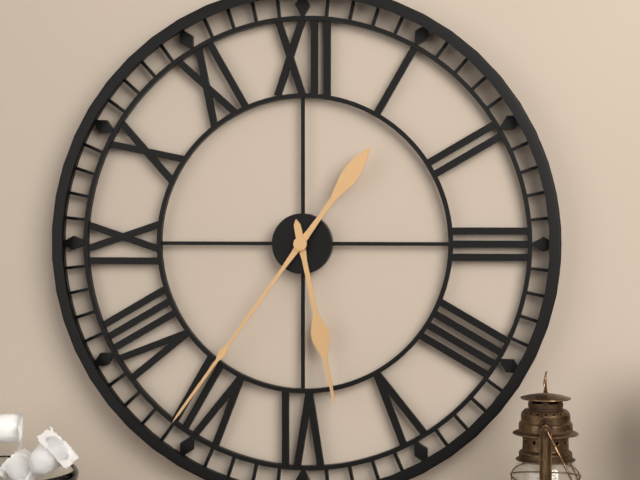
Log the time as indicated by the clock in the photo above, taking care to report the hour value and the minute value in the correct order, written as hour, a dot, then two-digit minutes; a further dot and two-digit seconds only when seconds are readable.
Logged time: 5.36
